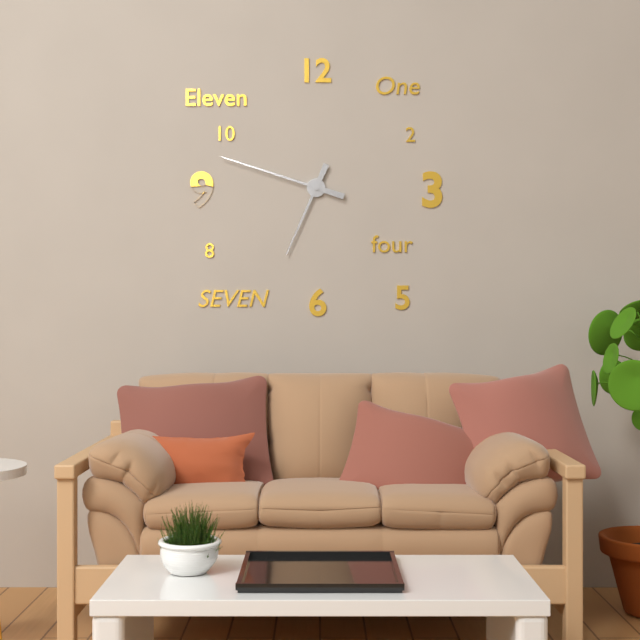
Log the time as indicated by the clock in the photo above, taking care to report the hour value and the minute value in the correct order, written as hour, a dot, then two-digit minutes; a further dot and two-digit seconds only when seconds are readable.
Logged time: 6.48
